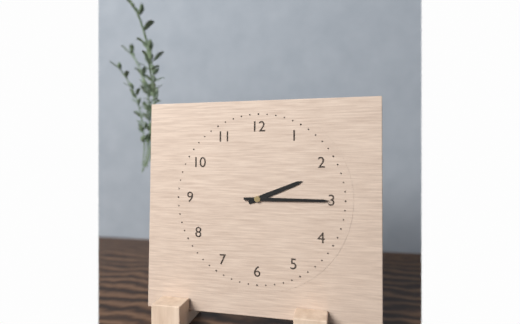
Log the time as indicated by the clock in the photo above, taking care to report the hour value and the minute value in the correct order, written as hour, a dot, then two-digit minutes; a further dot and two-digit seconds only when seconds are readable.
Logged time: 2.15
